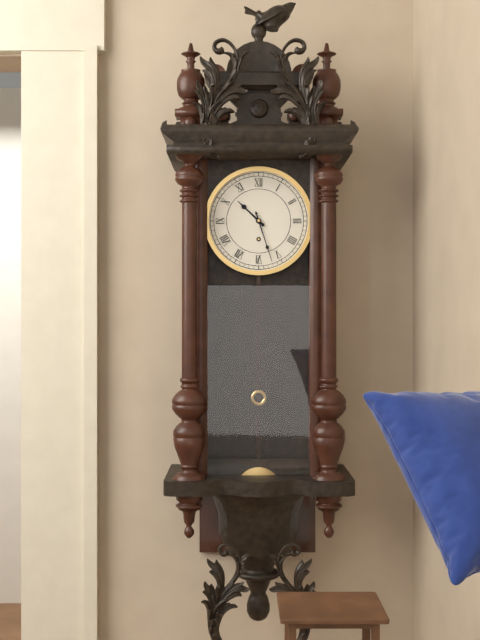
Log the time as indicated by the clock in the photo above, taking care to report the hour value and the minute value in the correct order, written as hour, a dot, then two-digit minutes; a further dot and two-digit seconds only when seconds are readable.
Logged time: 10.27
